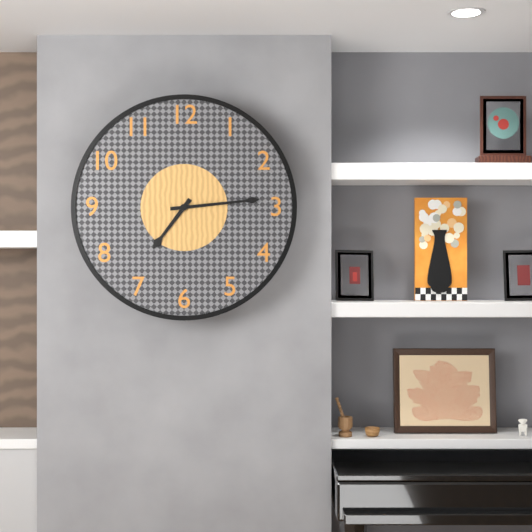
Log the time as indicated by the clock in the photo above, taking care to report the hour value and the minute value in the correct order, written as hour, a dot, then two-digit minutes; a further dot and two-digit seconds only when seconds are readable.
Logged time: 7.14
